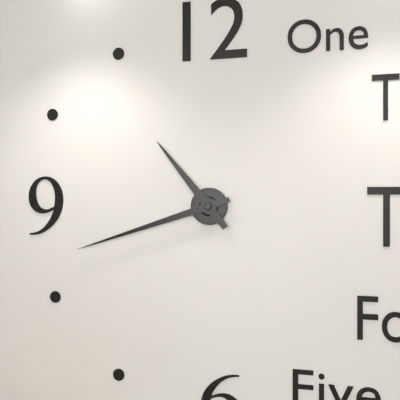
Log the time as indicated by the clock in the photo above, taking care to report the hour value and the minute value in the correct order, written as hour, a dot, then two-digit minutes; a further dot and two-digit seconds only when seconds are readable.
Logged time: 10.42
